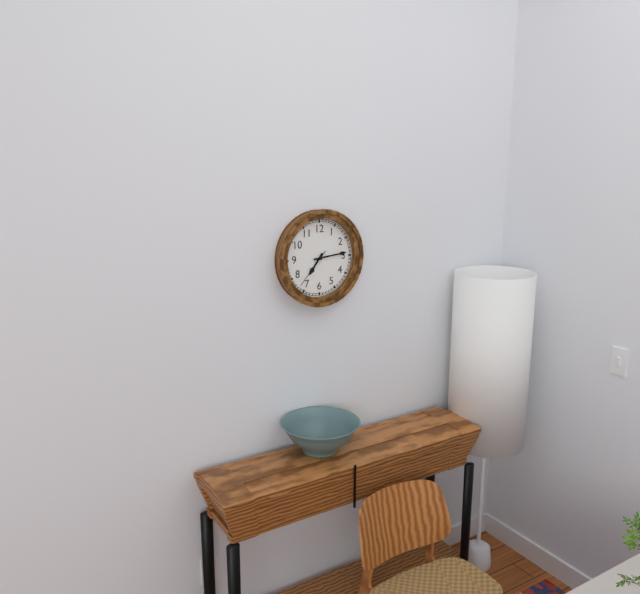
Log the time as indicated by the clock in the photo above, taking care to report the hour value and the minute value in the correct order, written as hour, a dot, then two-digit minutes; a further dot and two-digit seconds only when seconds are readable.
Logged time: 7.14
